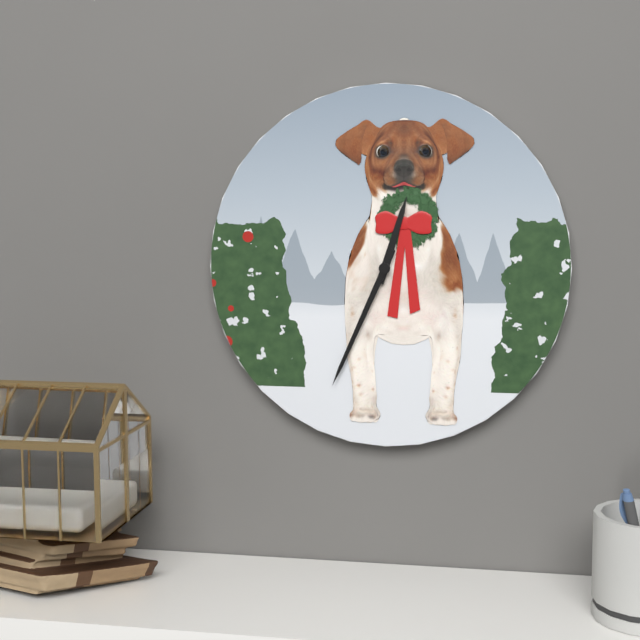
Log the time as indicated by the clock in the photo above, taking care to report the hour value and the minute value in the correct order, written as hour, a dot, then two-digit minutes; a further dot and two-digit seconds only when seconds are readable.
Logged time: 12.34
